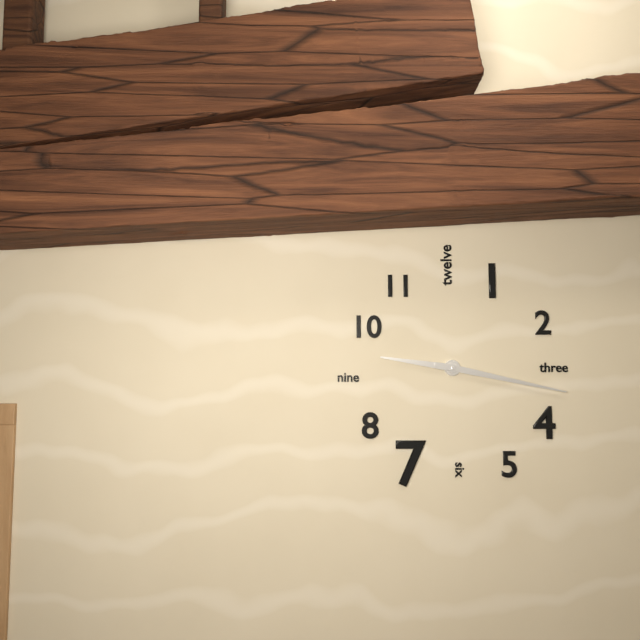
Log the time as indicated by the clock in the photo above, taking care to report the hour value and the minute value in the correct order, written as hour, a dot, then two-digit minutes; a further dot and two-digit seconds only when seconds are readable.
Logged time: 9.17
